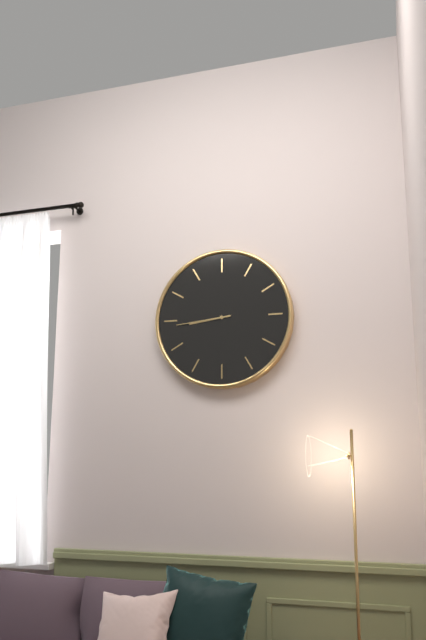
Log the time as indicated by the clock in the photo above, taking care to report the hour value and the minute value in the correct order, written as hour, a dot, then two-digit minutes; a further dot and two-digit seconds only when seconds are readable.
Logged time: 8.44
